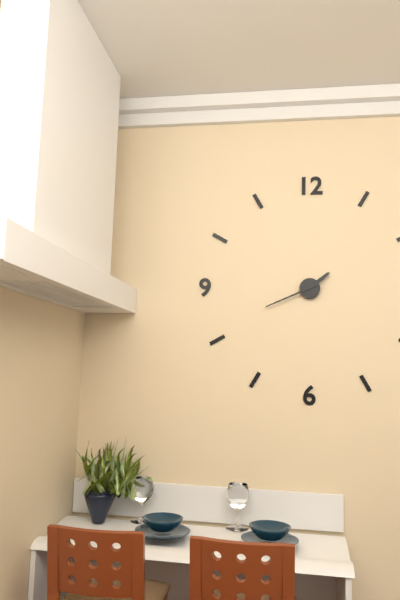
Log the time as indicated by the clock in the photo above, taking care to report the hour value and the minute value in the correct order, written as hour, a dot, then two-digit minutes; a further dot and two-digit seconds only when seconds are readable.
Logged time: 1.41
